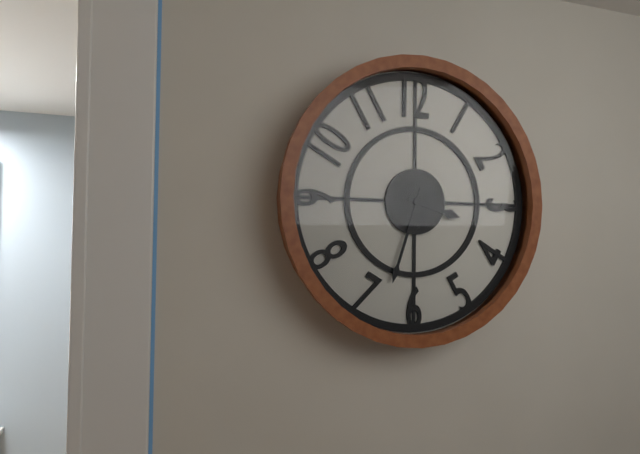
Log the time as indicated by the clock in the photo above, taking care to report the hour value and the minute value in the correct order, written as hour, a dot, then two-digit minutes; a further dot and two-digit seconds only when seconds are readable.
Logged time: 3.33
